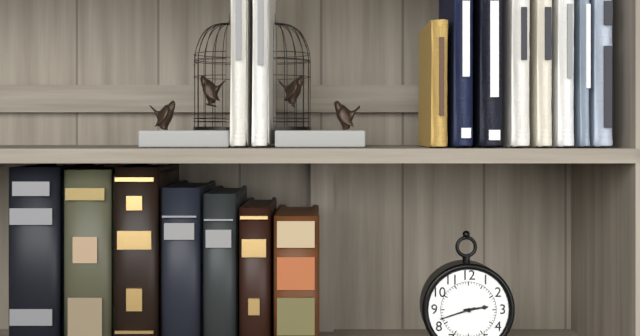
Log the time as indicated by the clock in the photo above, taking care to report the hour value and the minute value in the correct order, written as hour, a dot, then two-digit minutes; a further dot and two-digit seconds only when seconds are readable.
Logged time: 2.42
